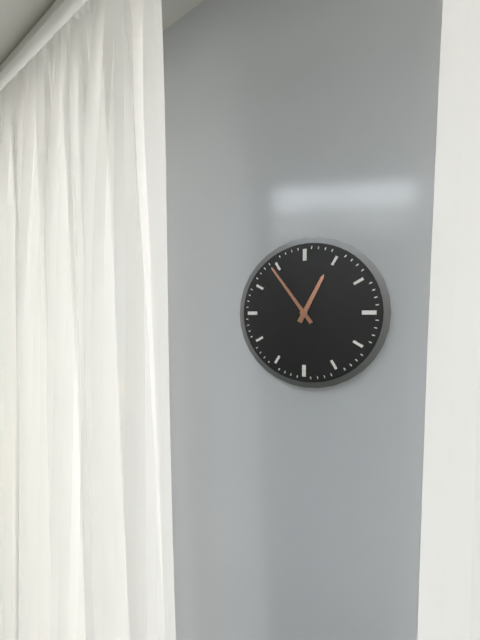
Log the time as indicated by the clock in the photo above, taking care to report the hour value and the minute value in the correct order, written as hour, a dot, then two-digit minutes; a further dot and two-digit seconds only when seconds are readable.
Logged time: 12.54
